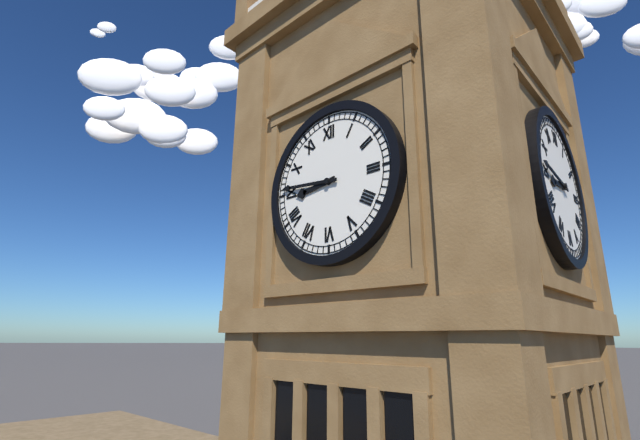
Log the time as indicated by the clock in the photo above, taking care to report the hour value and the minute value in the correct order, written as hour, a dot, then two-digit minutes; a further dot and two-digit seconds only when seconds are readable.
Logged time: 8.46
